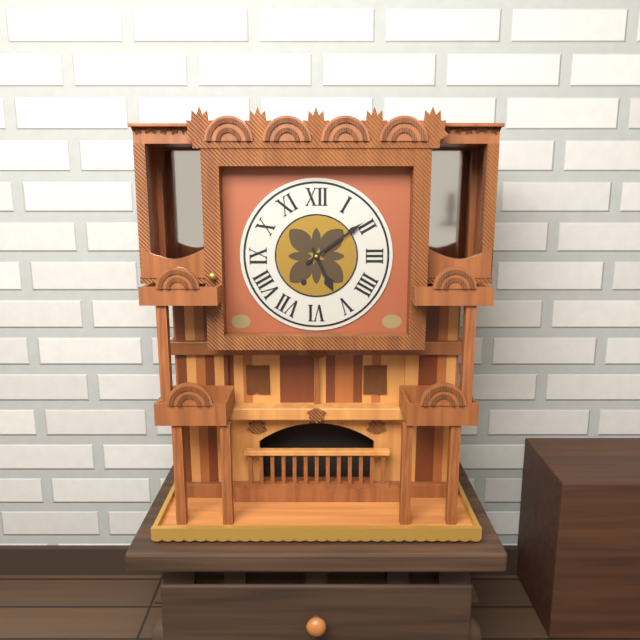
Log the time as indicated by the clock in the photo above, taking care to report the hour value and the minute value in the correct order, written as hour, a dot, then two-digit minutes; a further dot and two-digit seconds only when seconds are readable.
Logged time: 5.09
